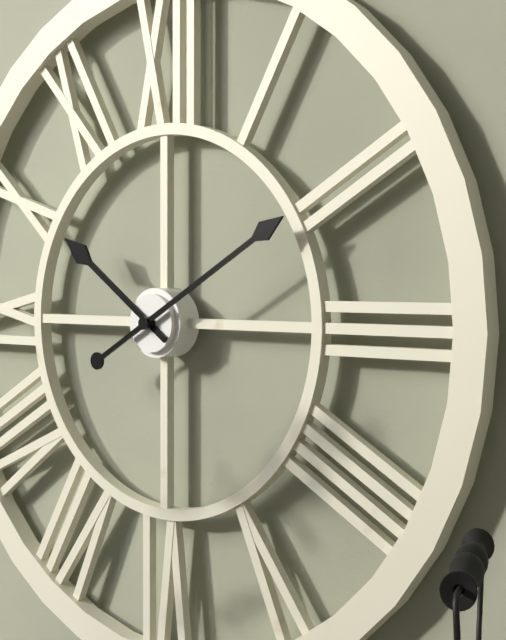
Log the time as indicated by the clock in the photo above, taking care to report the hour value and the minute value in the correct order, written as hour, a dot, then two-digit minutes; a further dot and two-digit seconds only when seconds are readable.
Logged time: 10.10
